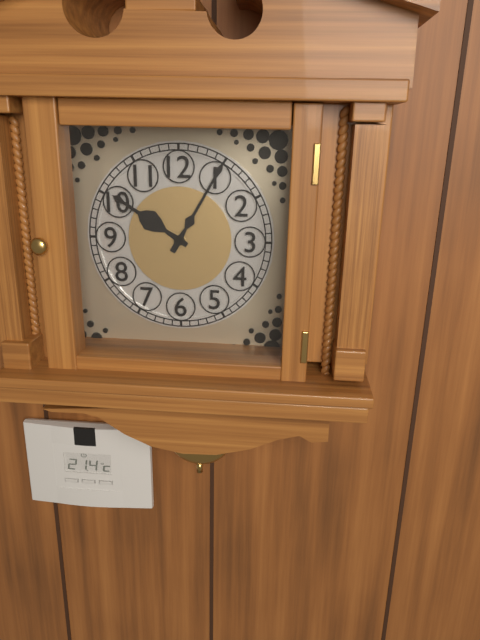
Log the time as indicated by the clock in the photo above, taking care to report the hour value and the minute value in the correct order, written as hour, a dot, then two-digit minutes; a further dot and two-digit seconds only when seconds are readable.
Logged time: 10.05
